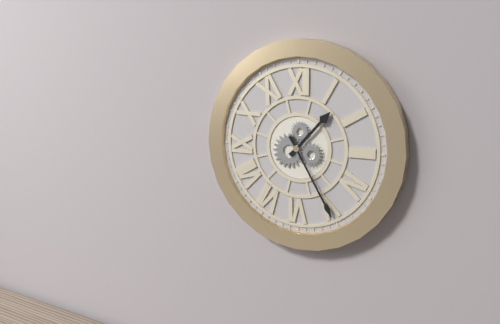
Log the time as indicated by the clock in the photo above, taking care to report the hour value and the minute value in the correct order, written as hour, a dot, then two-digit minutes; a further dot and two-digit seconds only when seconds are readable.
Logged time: 1.25
